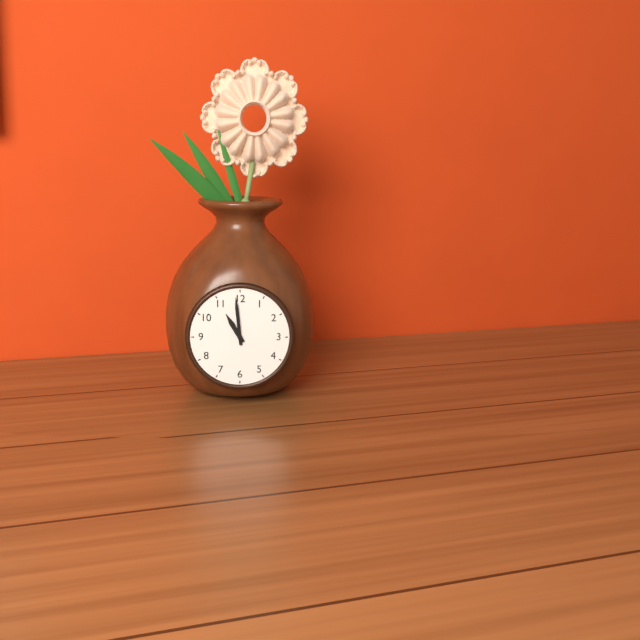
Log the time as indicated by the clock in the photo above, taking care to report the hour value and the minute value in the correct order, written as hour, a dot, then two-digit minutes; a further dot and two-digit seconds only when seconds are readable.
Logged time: 10.59
